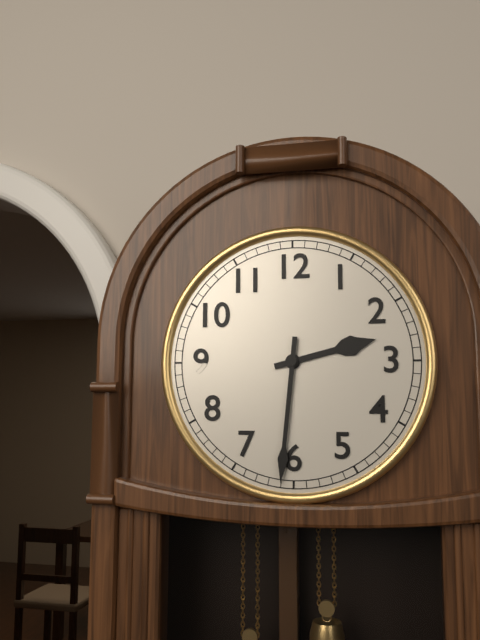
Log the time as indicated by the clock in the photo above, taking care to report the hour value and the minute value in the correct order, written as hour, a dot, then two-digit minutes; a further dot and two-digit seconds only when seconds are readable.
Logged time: 2.31
